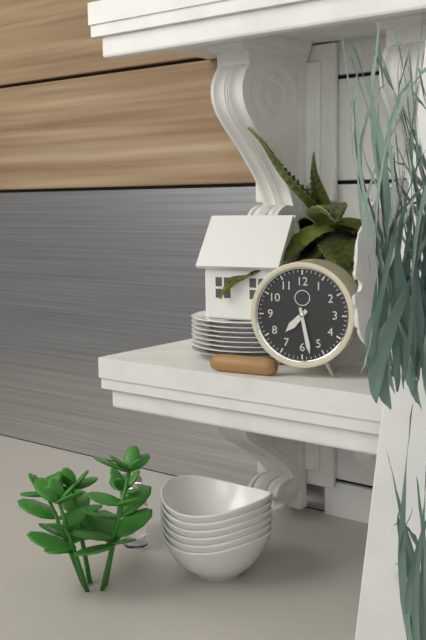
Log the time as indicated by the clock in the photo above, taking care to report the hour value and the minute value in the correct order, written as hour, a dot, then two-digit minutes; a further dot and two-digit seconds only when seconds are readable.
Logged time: 7.28
